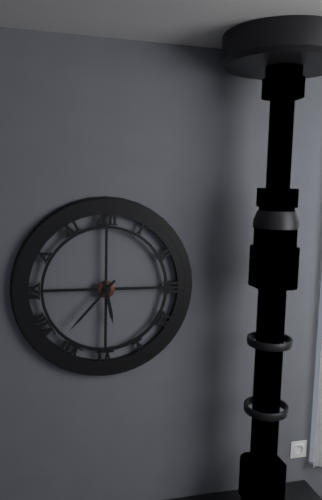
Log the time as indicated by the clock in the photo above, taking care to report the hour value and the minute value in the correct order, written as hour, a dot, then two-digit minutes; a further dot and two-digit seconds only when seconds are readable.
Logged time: 5.37
